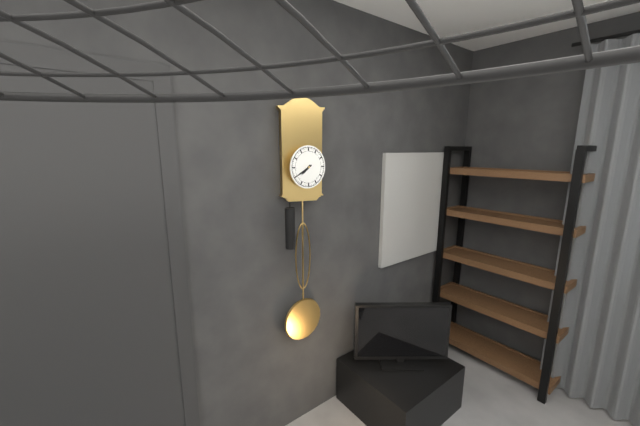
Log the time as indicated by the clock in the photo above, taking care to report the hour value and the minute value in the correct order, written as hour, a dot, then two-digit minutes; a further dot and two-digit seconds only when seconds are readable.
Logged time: 7.40
